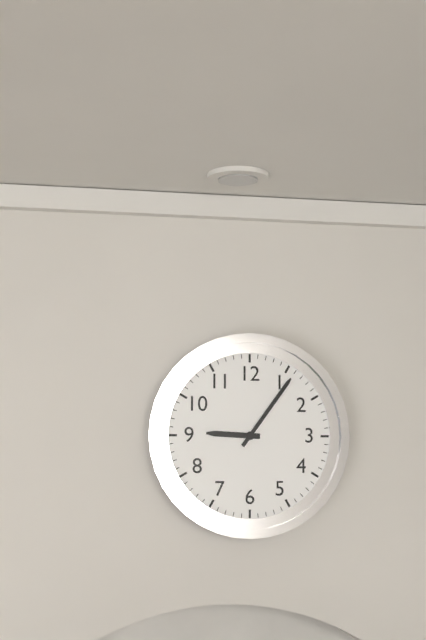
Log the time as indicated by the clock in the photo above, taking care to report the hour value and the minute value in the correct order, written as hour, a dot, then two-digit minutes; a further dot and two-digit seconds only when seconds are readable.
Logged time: 9.06
